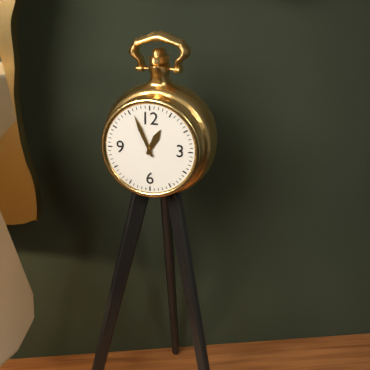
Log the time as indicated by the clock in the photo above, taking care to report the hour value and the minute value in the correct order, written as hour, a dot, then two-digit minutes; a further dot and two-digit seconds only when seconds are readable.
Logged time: 12.56
